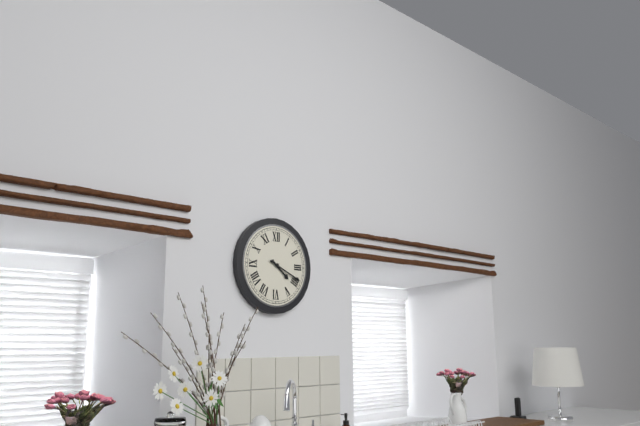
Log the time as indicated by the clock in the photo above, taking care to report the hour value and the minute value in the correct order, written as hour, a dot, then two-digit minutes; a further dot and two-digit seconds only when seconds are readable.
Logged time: 4.19
